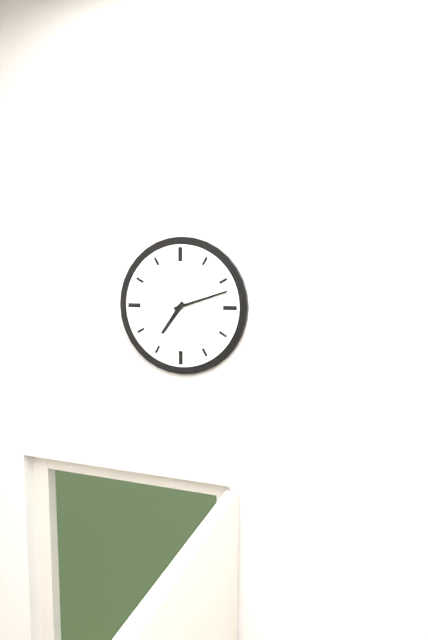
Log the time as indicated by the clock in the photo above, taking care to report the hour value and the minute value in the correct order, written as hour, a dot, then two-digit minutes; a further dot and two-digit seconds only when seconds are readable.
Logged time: 7.12
